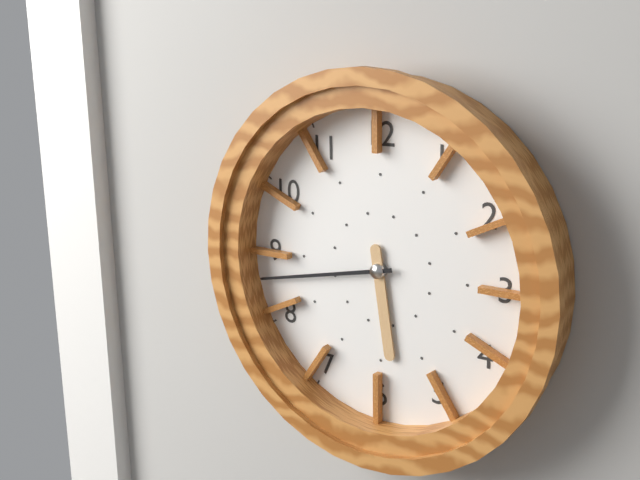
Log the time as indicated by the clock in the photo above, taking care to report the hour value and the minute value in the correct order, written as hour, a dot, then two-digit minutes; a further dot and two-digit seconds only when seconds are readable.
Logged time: 5.43
